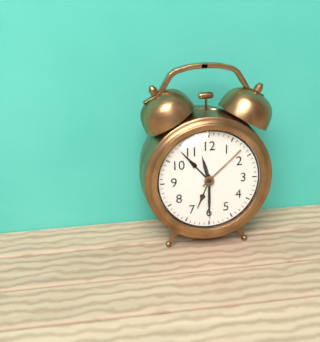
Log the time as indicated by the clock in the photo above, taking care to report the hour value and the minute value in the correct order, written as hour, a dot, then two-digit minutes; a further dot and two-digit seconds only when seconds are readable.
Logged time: 11.30
